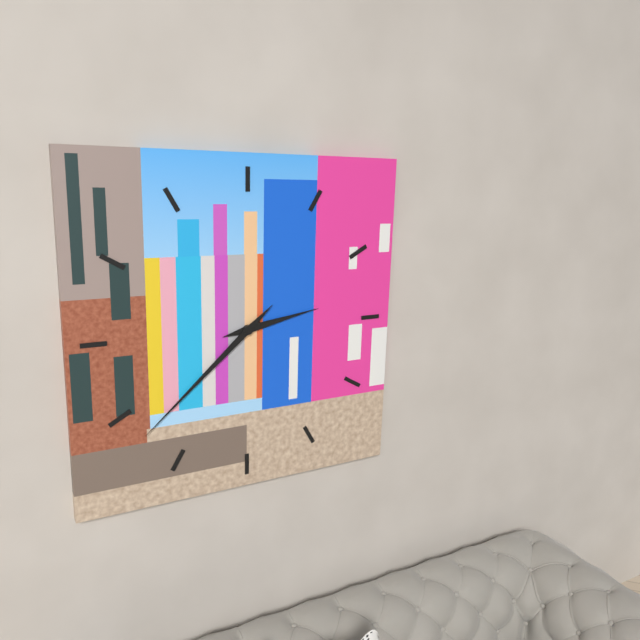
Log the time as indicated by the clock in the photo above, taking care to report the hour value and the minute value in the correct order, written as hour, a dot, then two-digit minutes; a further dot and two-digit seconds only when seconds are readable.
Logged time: 2.38
